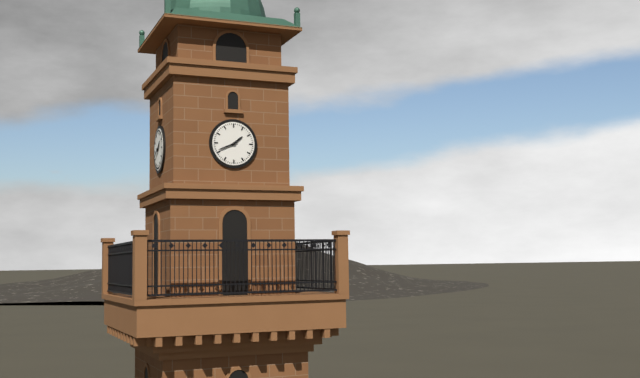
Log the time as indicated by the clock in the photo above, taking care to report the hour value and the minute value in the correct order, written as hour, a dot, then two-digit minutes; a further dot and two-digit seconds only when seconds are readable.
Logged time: 1.41
